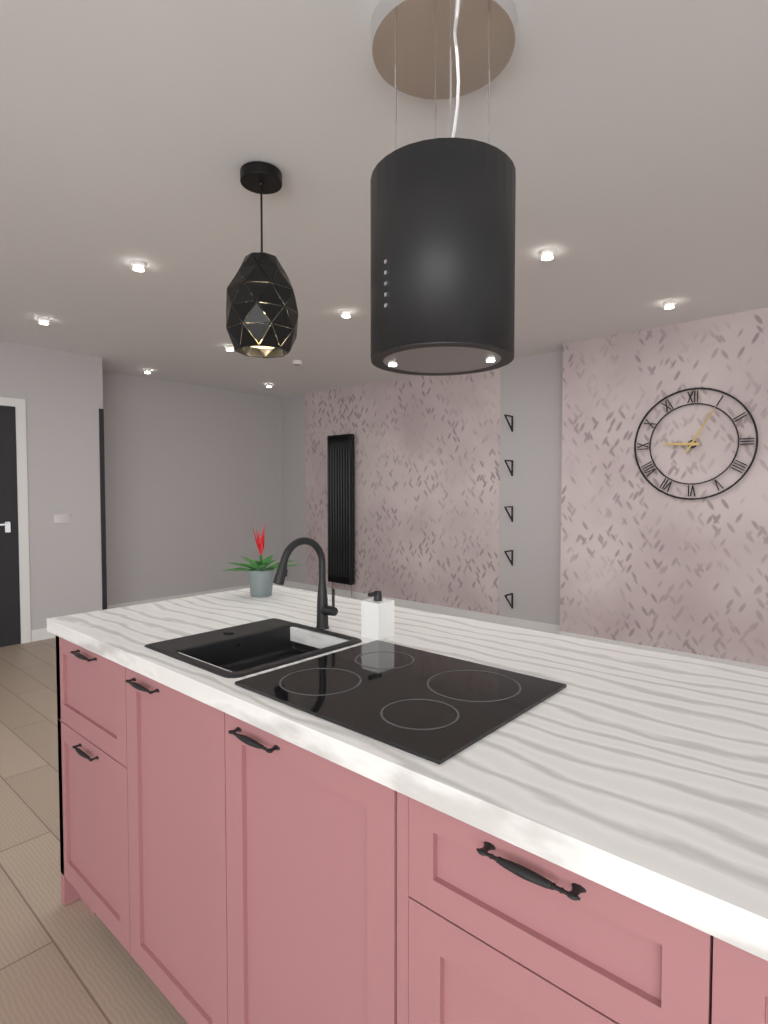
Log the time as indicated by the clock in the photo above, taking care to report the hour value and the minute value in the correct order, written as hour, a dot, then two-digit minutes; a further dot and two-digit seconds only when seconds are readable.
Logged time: 9.05
